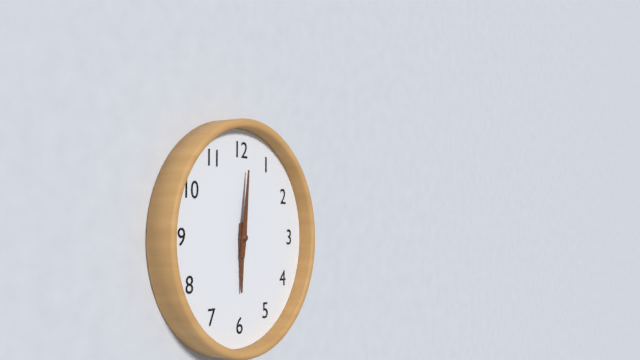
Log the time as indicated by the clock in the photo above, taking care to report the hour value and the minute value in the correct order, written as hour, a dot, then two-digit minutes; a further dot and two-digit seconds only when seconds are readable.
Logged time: 6.01
